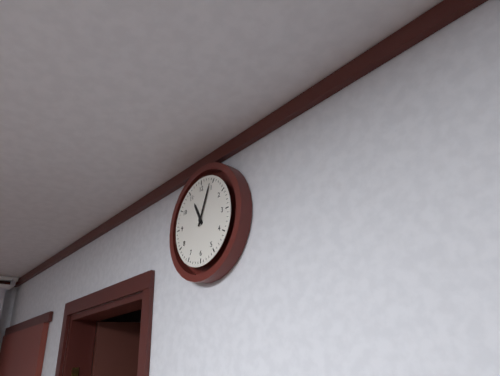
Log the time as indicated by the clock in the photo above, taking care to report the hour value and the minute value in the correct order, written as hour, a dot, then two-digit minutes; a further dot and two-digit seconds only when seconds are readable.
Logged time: 11.04
